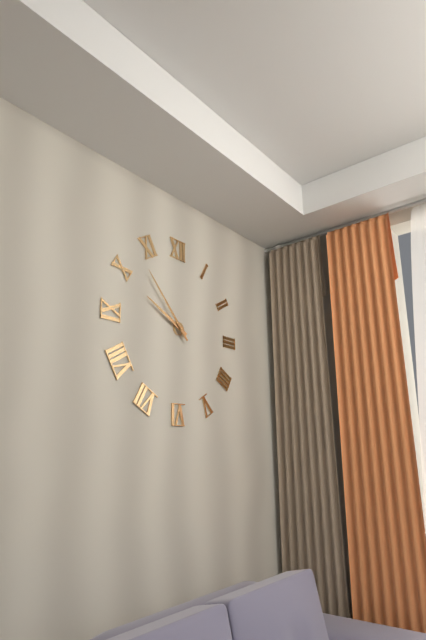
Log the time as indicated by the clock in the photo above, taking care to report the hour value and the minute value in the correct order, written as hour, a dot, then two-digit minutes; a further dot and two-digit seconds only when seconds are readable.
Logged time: 9.53
